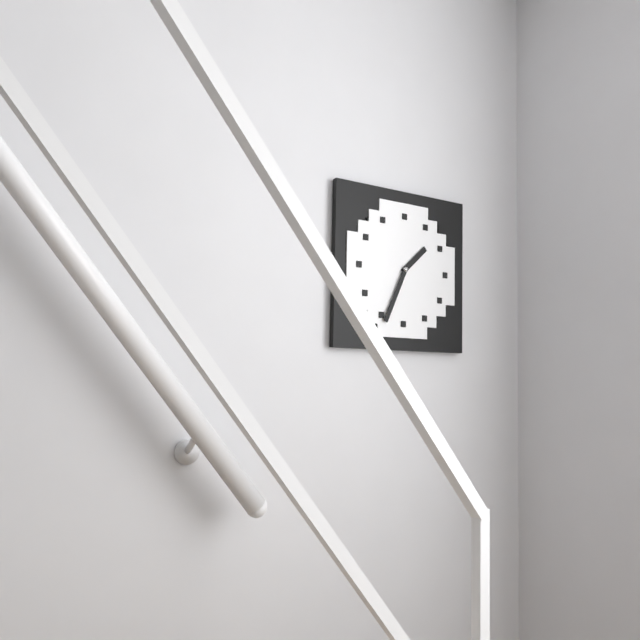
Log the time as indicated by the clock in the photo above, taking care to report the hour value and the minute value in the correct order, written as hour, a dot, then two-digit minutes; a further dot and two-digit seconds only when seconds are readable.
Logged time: 1.34
